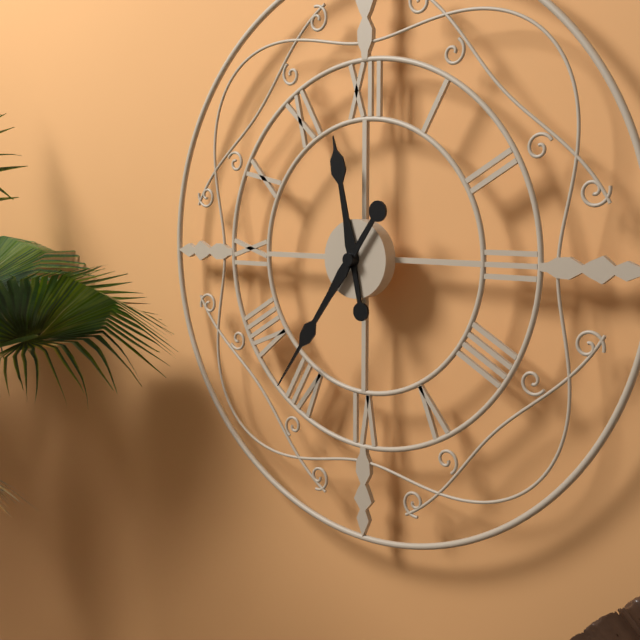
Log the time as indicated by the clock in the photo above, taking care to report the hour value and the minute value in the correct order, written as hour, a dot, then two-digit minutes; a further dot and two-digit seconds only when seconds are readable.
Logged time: 11.36
